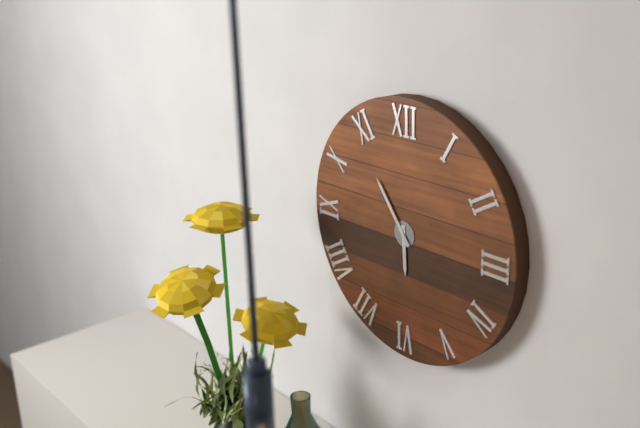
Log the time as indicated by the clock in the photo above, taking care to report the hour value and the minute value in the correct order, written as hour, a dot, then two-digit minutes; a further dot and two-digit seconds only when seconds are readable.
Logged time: 5.54
